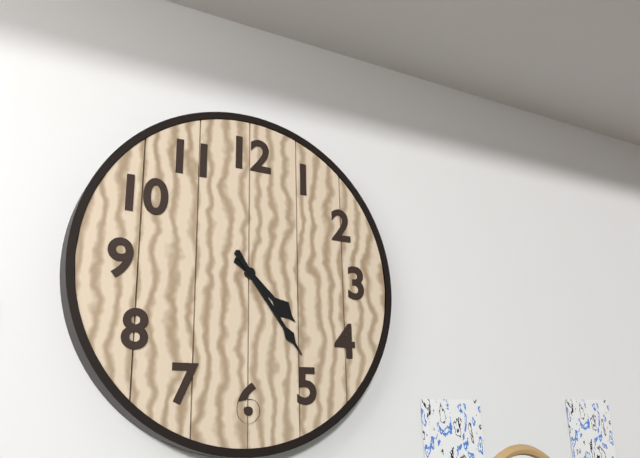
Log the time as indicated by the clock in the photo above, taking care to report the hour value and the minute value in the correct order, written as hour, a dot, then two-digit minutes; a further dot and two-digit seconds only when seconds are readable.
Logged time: 4.24
